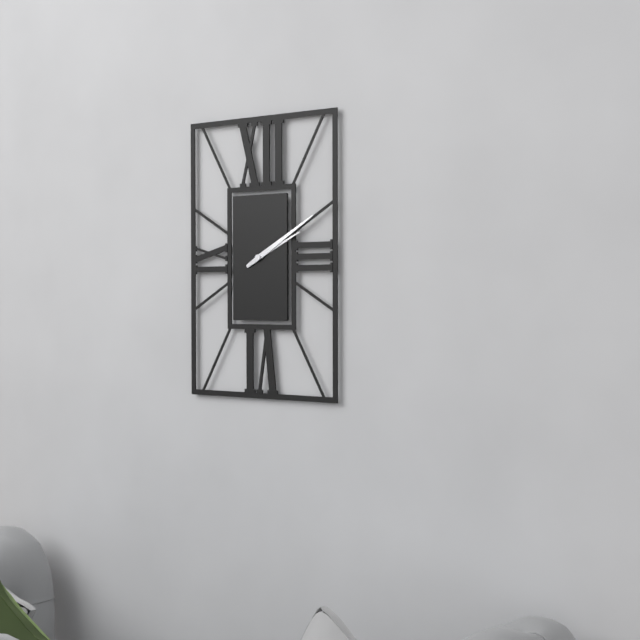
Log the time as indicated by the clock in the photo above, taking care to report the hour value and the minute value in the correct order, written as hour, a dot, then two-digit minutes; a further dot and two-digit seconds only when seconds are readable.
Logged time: 2.10
